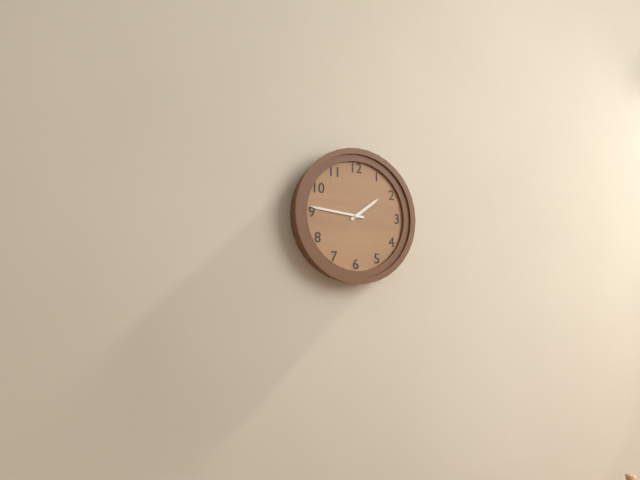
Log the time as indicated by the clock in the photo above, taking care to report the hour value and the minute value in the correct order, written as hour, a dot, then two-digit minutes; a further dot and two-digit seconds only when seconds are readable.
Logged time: 1.46
